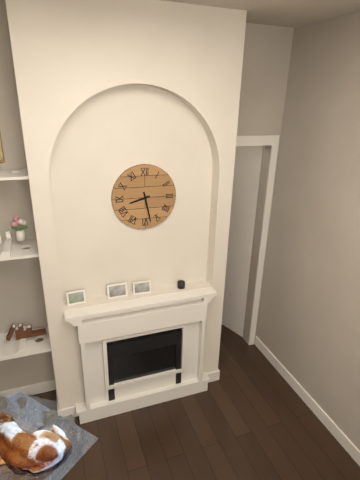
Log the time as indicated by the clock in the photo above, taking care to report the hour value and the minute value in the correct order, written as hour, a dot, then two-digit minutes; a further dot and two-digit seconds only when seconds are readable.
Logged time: 8.28
